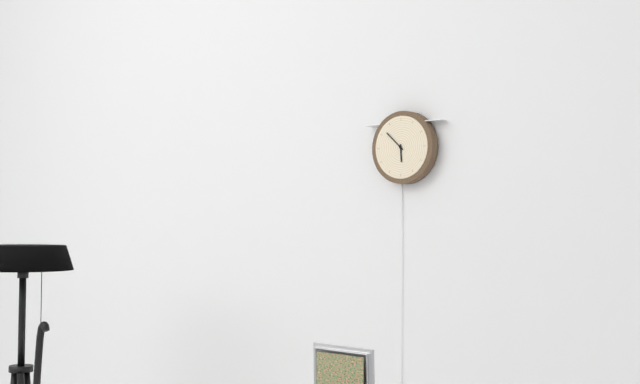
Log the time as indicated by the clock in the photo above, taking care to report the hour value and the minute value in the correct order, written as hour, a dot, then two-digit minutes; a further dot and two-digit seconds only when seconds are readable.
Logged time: 5.52
